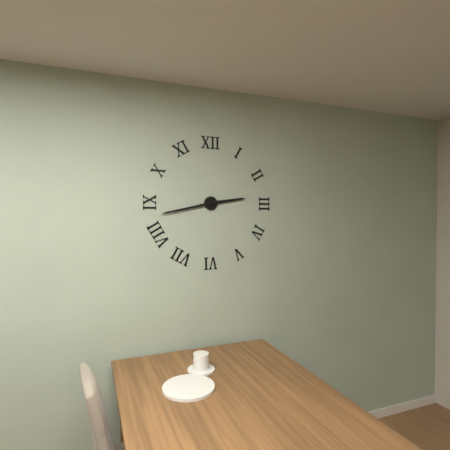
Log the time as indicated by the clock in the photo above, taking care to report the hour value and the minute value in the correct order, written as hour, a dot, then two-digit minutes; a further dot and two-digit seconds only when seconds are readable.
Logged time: 2.43
